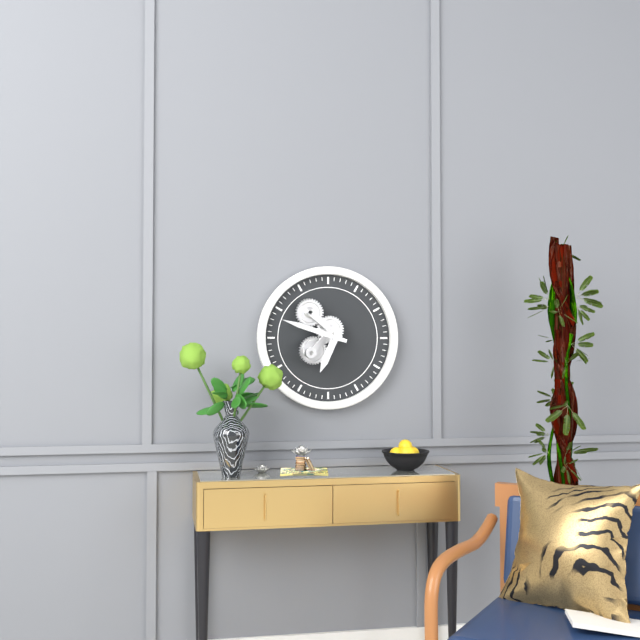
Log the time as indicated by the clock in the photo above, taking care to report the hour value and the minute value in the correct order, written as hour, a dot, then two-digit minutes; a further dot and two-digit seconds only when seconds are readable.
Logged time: 6.48
